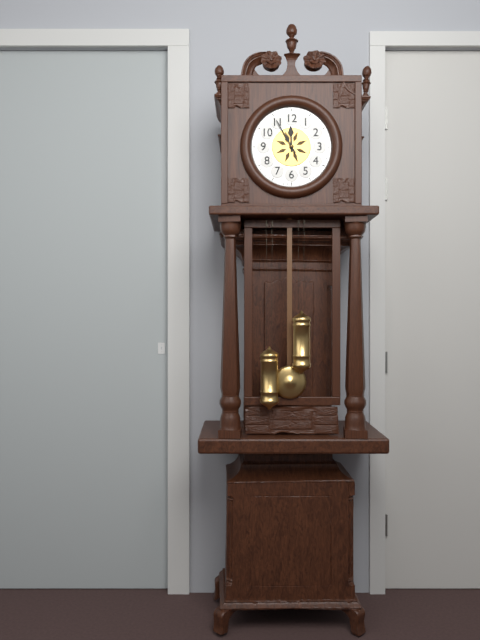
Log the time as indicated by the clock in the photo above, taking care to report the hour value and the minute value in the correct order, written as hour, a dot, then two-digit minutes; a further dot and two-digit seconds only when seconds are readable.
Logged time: 11.55
